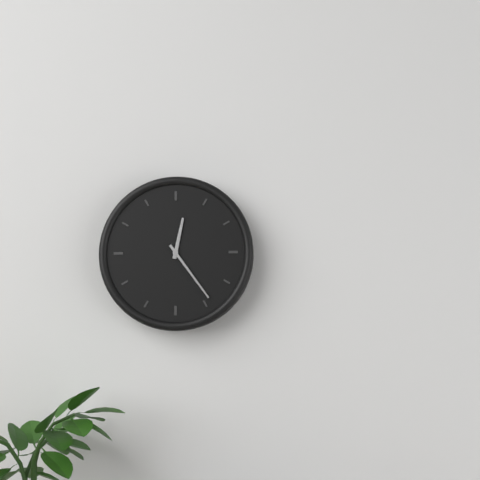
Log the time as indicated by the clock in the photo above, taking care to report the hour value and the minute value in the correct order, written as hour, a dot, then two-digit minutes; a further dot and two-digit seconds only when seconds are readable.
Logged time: 12.24
